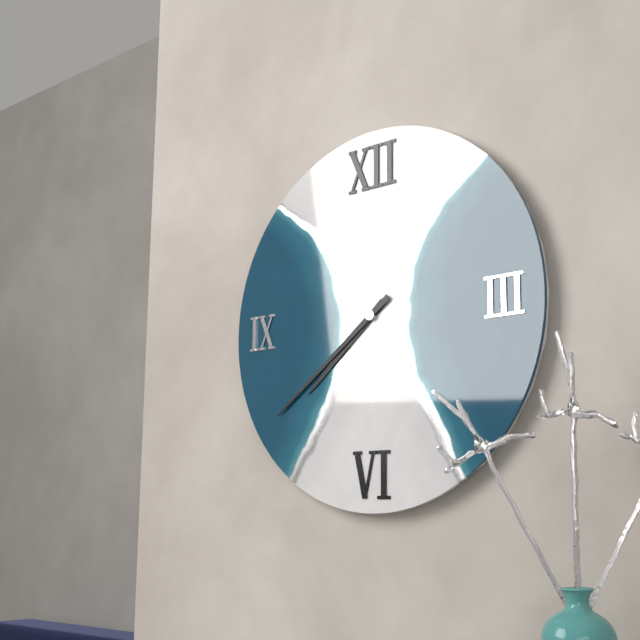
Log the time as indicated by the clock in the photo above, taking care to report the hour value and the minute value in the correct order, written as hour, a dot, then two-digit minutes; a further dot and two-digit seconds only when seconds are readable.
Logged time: 7.39
